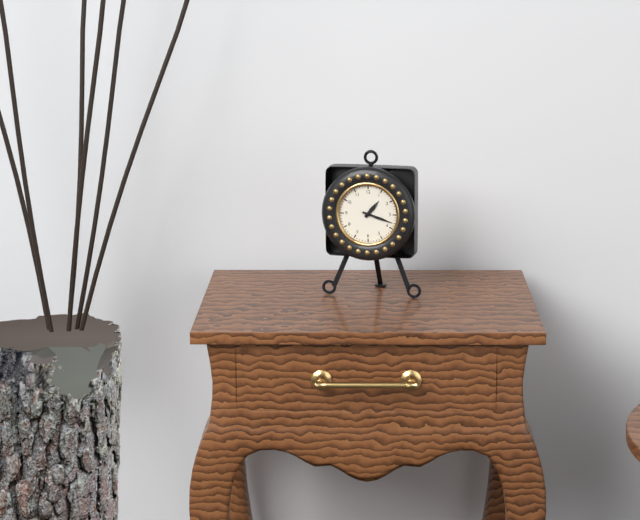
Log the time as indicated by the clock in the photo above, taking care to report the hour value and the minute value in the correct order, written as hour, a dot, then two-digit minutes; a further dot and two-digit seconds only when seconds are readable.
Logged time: 1.18
